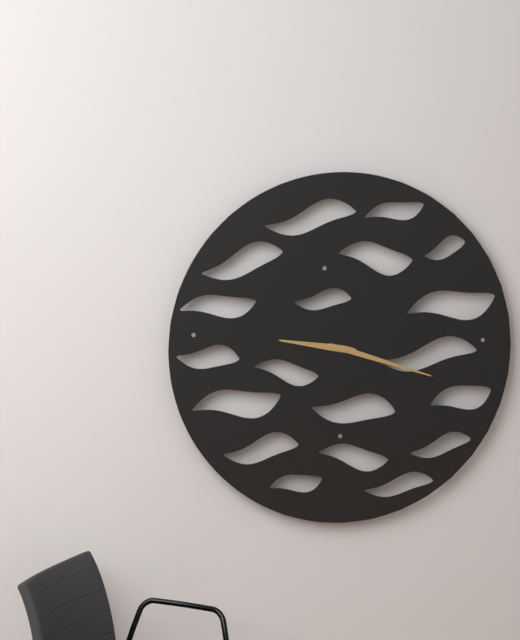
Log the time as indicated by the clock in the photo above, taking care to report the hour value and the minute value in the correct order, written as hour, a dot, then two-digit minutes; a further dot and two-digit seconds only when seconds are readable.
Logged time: 9.18
